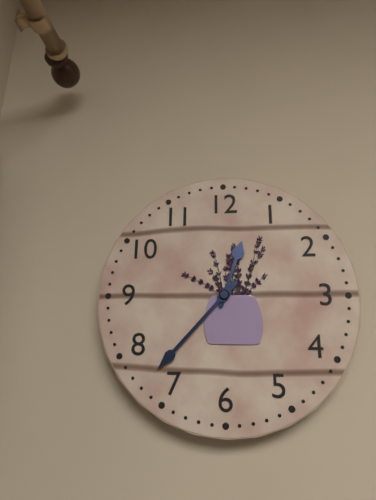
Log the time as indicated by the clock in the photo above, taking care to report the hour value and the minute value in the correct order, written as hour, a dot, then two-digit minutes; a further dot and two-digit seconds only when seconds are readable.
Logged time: 12.37
